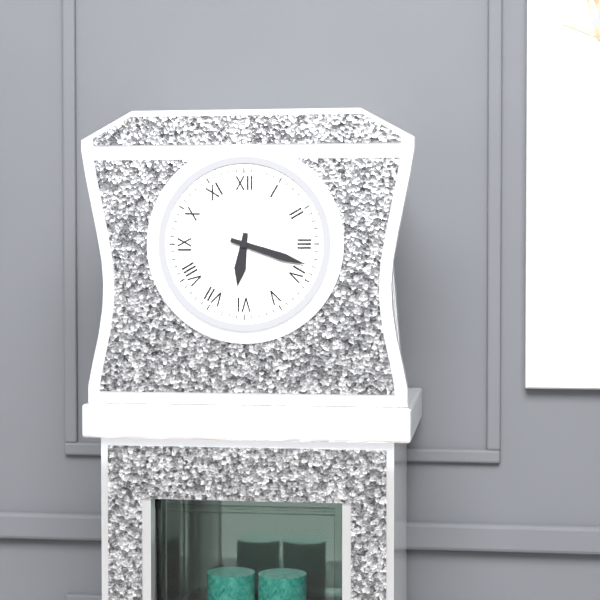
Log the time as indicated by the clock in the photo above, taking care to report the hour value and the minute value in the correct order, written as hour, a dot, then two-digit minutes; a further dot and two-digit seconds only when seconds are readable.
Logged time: 6.18
